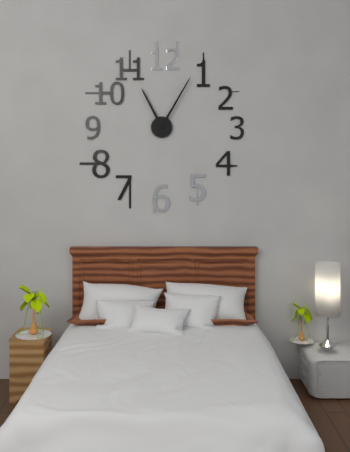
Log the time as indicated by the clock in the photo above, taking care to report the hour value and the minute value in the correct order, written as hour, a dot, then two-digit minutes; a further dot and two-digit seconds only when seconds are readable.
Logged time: 11.05
